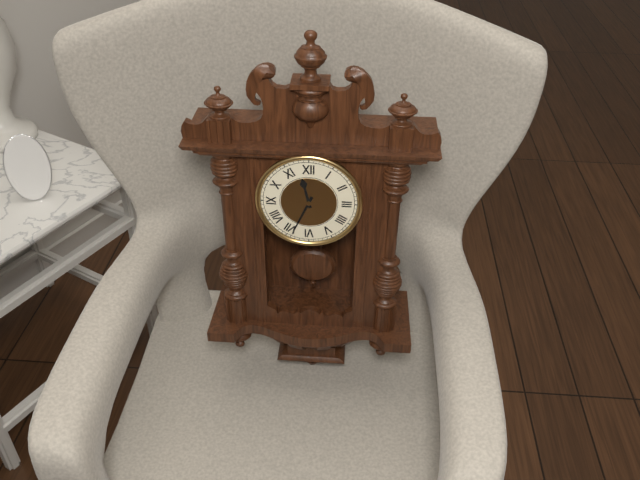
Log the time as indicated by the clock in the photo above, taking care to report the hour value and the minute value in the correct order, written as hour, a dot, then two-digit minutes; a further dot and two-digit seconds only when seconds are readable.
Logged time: 11.34
